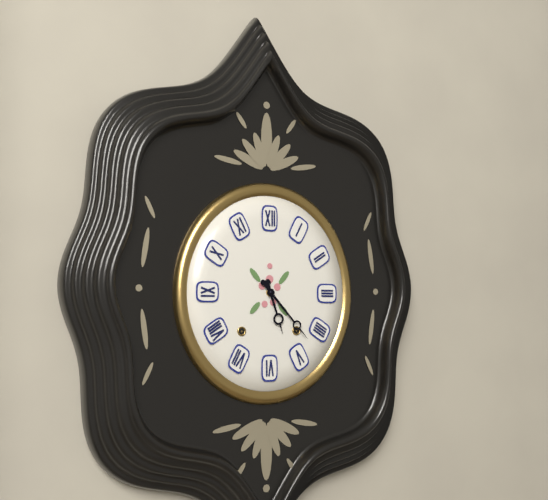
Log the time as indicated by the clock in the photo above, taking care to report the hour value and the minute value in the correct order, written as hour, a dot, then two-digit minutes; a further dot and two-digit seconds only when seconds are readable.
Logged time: 5.23
